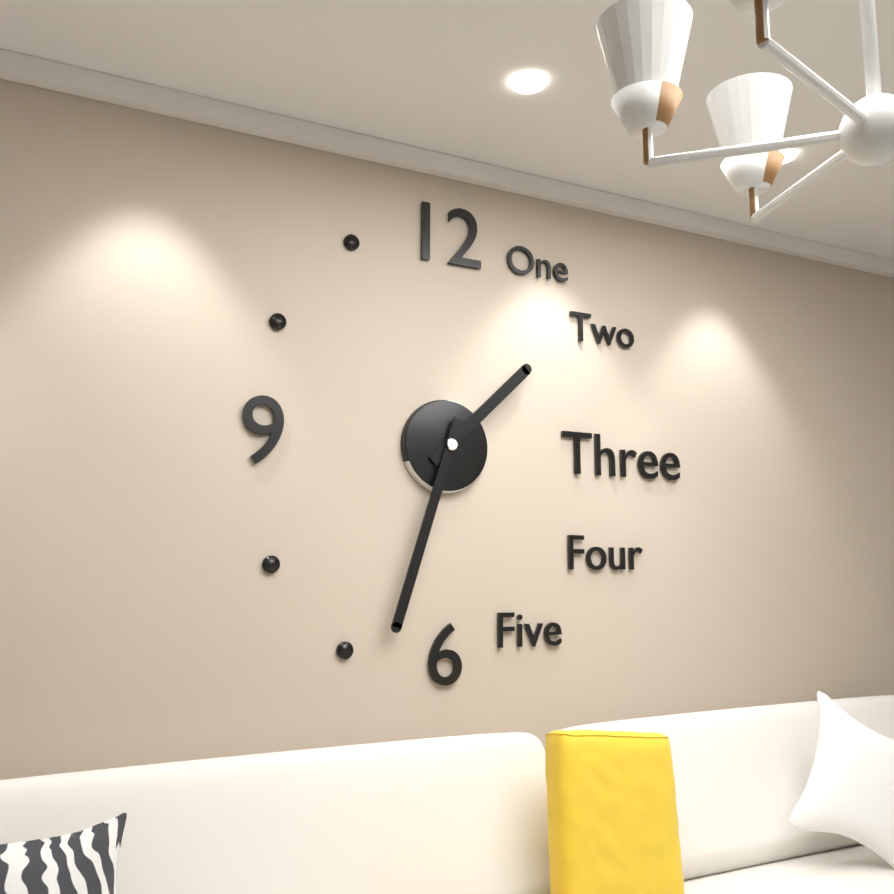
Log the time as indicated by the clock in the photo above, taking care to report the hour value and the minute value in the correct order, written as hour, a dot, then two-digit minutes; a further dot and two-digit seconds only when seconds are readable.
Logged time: 1.33
